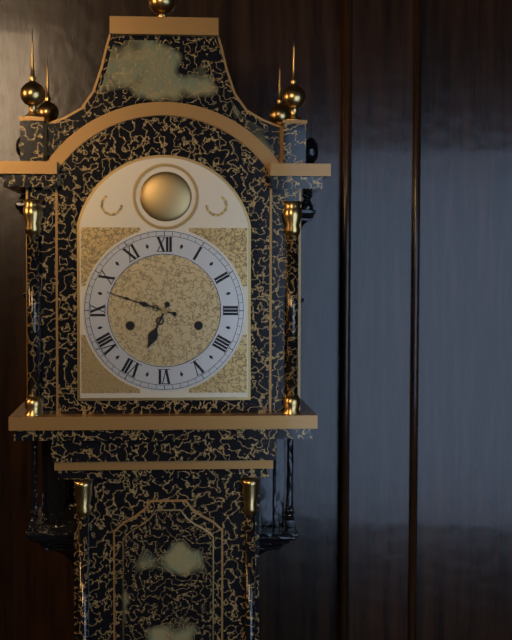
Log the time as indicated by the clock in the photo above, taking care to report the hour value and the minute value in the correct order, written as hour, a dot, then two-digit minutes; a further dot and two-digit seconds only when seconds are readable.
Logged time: 6.48
